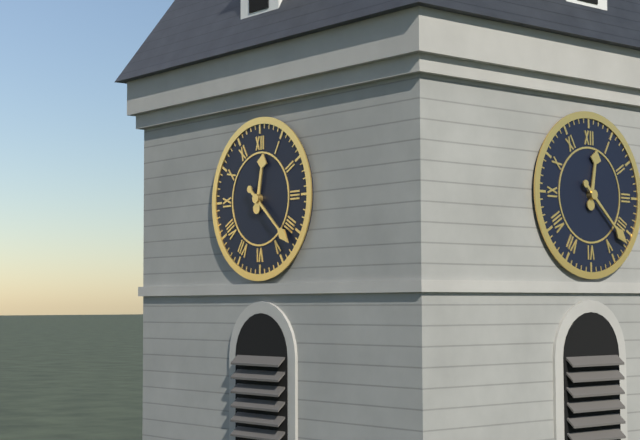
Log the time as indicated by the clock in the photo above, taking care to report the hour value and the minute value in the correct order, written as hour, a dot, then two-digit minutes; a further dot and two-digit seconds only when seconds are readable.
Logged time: 12.22
